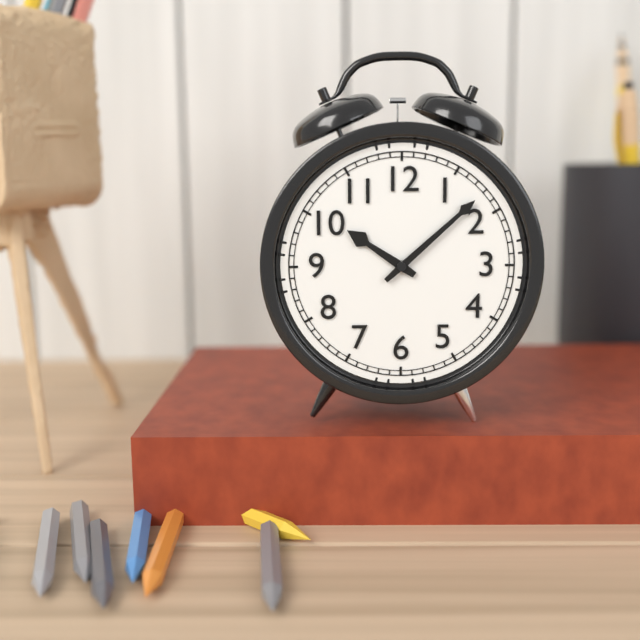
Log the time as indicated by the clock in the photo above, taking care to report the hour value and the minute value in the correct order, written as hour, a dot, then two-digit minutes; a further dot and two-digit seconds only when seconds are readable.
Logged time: 10.08
